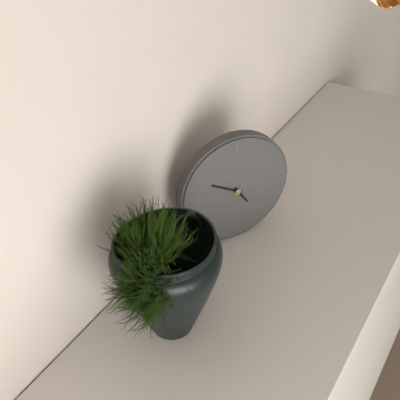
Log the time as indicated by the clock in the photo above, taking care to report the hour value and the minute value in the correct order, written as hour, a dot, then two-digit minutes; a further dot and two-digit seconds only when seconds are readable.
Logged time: 4.50
